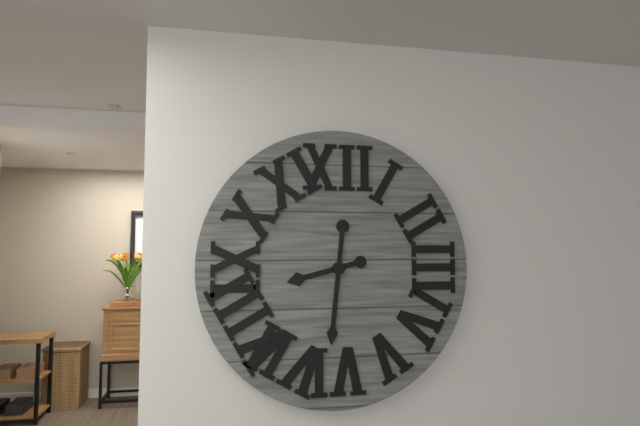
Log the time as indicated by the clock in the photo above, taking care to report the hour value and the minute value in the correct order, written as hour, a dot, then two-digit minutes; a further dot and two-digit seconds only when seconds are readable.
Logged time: 8.31
